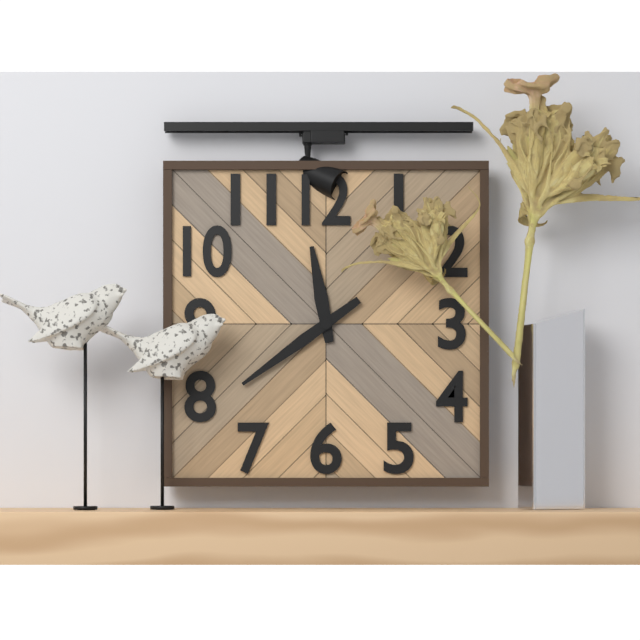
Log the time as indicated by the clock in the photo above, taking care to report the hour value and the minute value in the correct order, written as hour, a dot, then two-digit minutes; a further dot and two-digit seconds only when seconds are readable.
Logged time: 11.39
